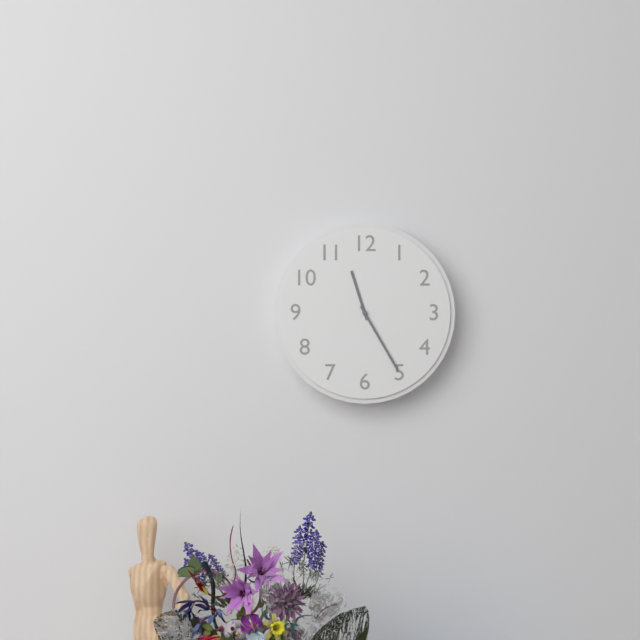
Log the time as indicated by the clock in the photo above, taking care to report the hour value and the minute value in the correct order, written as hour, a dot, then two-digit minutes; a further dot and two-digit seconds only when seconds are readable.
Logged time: 11.25
